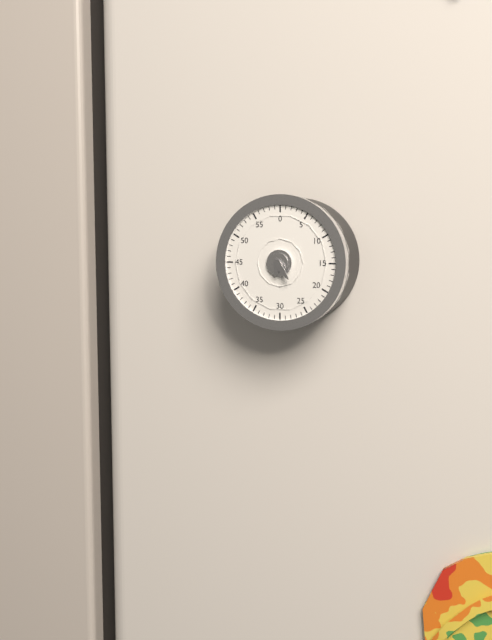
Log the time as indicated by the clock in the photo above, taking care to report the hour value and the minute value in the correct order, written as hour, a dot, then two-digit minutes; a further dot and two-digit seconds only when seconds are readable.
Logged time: 6.24
